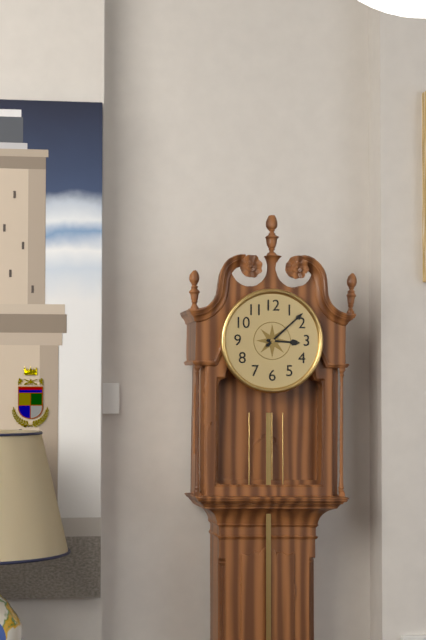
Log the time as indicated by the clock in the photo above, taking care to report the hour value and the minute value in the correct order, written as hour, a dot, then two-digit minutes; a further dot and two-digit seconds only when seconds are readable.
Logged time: 3.08
